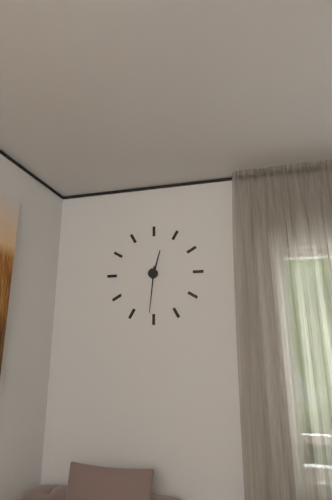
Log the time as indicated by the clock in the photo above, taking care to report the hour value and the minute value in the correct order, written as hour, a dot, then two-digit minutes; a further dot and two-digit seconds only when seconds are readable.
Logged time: 12.31
